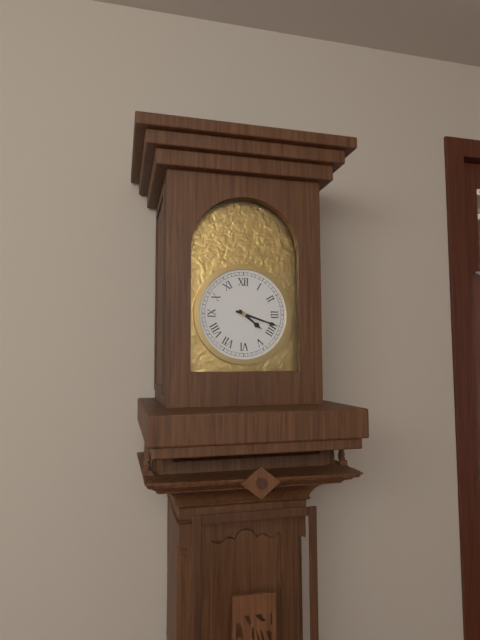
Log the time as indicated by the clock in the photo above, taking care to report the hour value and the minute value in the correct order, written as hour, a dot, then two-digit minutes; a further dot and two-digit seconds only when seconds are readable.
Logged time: 4.18
